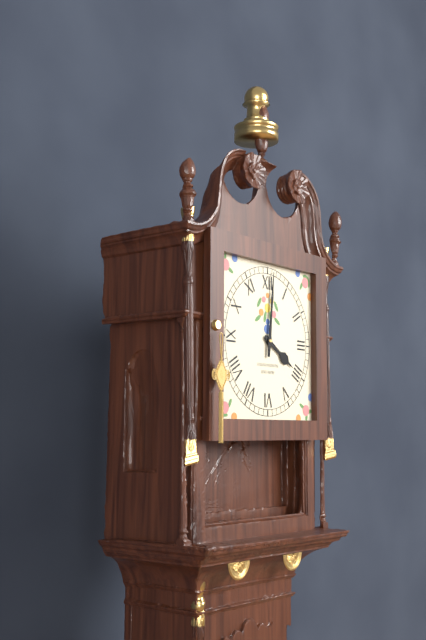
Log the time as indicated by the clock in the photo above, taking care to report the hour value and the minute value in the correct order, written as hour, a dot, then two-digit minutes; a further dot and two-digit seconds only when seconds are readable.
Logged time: 4.01
